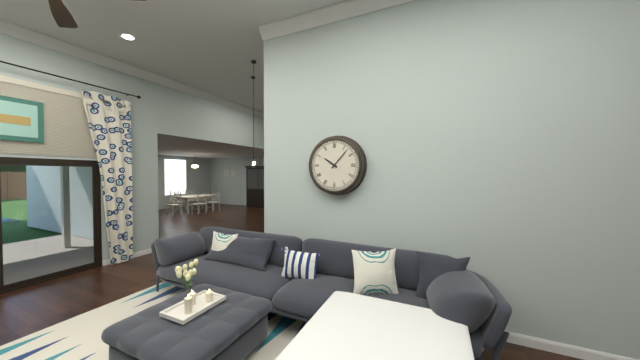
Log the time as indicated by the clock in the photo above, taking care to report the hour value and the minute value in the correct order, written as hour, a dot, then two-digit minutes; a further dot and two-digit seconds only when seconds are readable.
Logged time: 10.07
